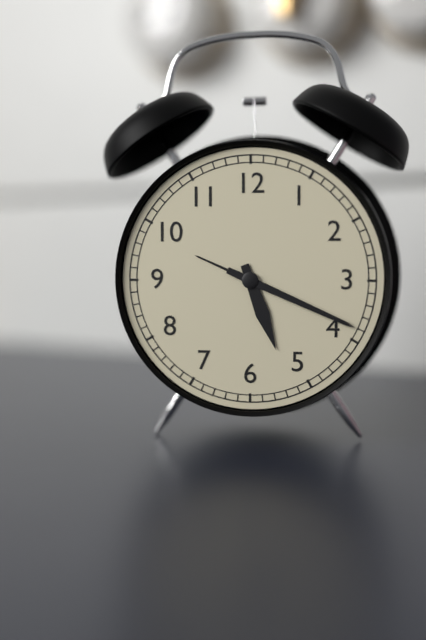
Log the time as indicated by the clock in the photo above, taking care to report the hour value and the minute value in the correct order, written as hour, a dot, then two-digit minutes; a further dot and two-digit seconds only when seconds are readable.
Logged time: 5.19
